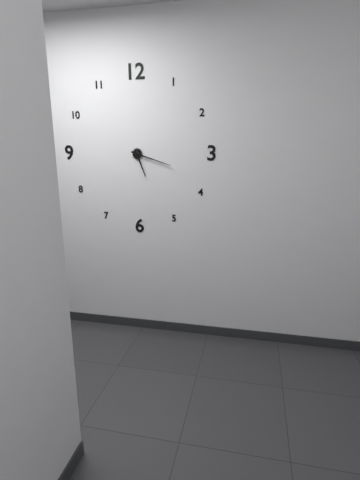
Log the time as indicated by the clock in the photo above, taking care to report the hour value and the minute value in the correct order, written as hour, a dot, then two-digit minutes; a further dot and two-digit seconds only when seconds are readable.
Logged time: 5.18
